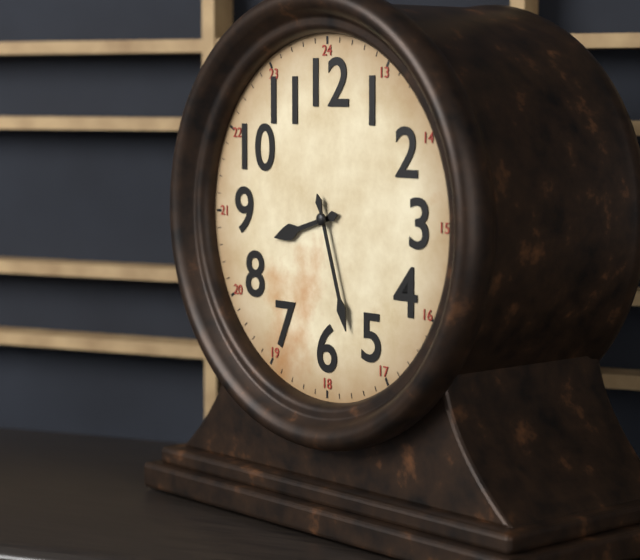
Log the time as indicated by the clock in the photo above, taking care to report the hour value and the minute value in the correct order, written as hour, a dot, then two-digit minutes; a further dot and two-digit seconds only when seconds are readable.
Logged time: 8.27
